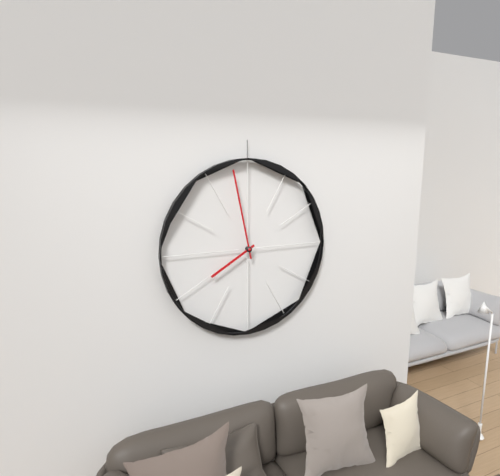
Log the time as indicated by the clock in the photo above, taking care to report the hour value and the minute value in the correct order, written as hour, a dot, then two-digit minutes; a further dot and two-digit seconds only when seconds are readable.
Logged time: 7.58
